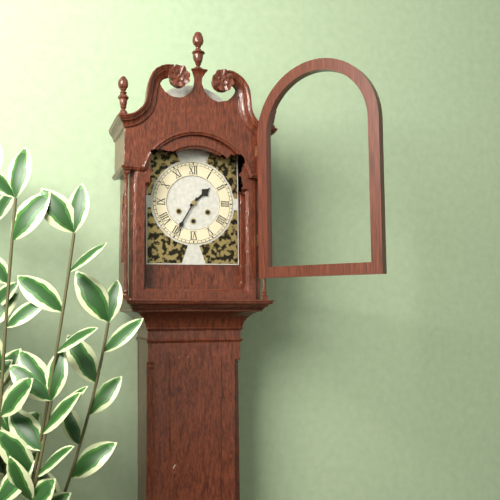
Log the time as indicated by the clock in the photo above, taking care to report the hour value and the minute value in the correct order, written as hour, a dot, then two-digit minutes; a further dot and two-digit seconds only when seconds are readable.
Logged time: 1.35
